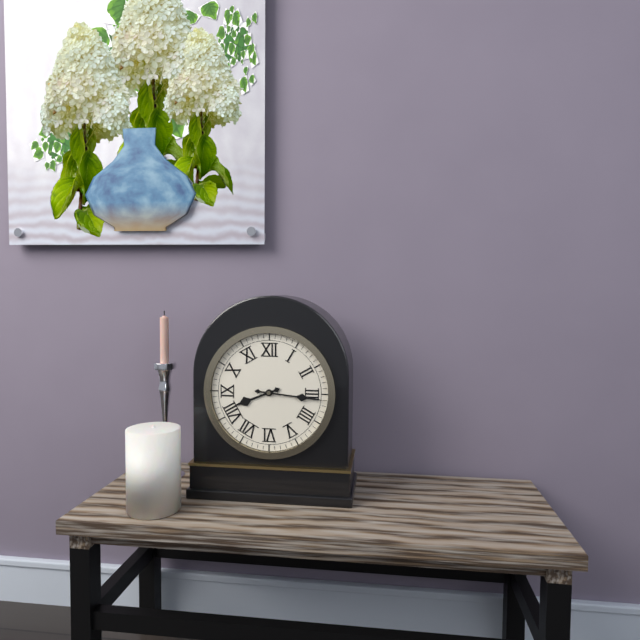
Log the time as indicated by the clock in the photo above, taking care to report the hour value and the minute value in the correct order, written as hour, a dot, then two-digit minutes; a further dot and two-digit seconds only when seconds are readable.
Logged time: 8.16
